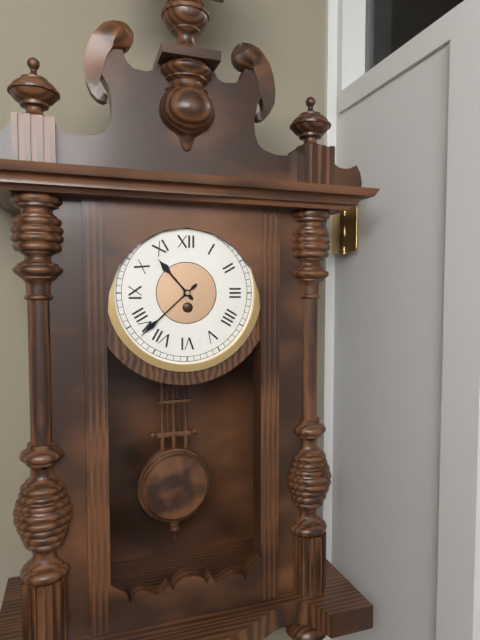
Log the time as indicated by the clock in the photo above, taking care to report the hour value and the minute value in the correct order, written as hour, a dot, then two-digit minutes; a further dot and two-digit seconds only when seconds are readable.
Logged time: 10.38
